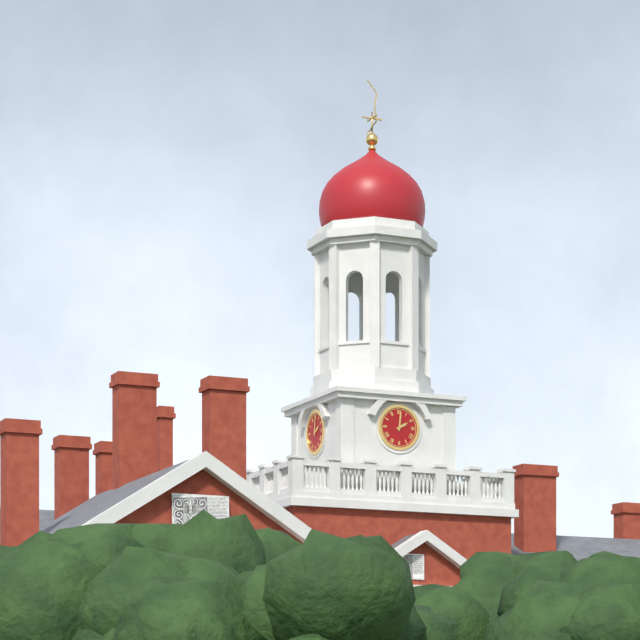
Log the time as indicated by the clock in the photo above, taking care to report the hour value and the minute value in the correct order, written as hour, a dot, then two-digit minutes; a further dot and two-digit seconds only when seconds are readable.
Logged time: 2.01
